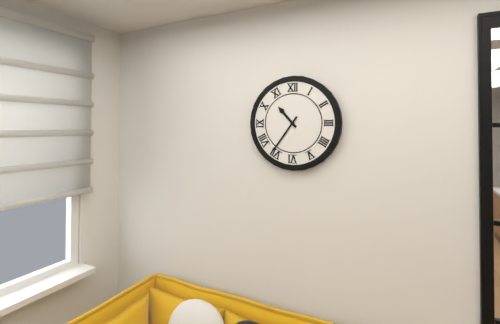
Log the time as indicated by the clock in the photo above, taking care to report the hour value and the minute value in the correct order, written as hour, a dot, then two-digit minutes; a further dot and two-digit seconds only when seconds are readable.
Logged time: 10.36
